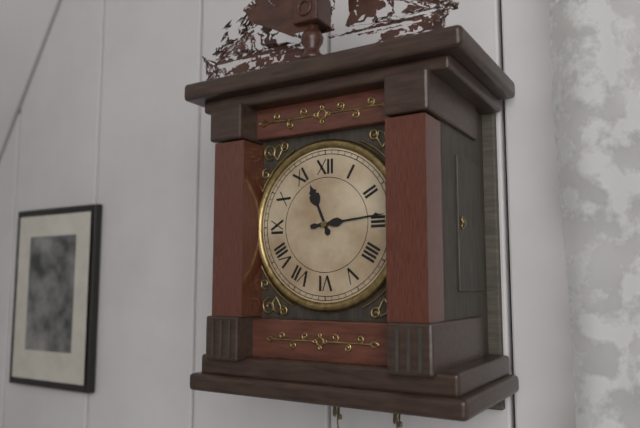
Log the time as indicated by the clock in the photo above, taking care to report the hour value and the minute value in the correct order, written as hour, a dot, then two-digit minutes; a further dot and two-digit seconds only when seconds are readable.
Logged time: 11.14
